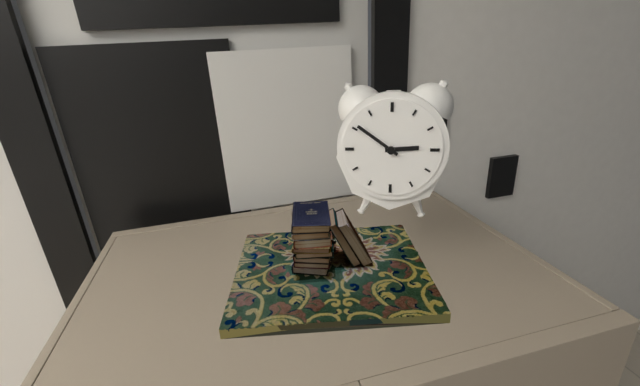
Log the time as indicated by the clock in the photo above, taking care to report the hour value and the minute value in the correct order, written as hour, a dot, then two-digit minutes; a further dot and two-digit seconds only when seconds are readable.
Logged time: 2.51
